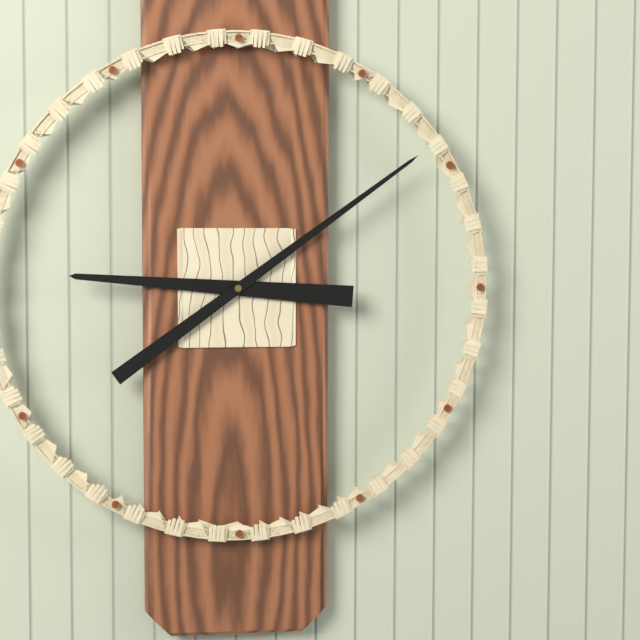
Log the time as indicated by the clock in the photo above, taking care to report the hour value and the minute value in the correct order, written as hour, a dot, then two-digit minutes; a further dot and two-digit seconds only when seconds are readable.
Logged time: 9.09
